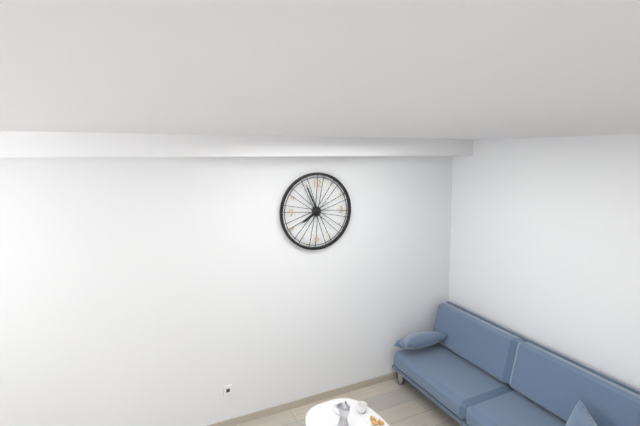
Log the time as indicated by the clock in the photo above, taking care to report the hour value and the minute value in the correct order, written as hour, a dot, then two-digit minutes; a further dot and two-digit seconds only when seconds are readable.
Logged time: 7.56
